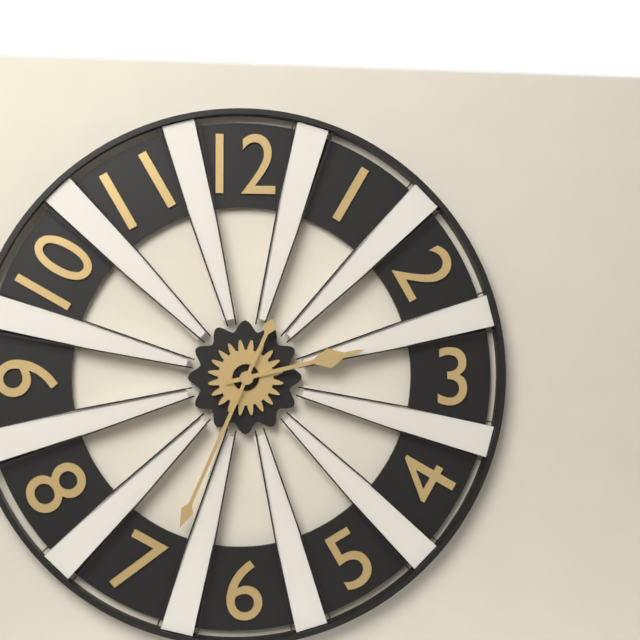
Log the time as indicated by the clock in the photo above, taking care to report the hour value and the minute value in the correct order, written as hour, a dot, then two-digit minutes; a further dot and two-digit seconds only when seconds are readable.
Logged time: 2.34
